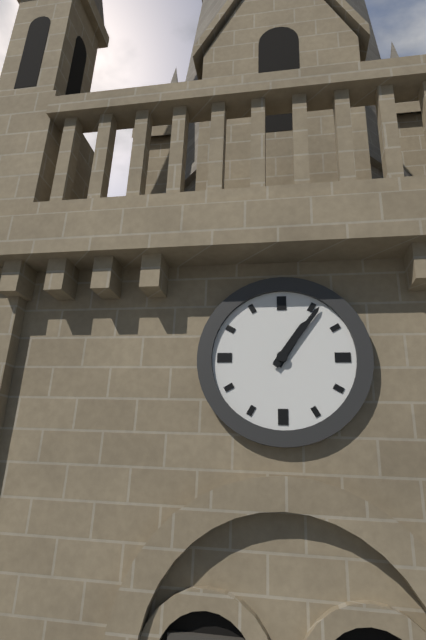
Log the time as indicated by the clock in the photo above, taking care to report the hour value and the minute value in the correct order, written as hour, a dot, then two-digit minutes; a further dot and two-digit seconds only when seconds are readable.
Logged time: 1.06
